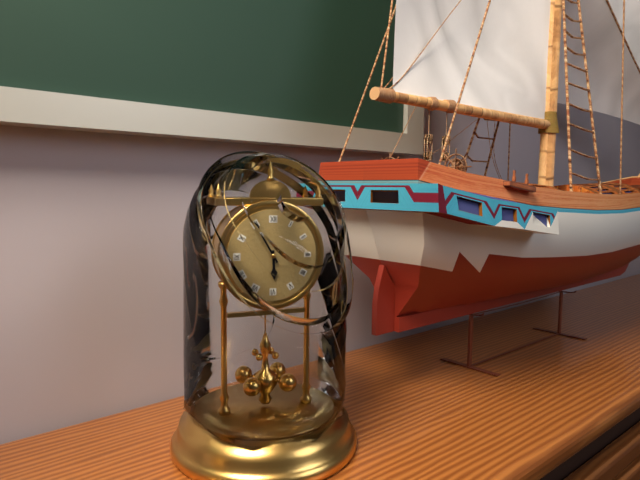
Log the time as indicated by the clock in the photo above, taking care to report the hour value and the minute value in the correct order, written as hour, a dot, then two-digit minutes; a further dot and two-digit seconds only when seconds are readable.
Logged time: 5.55
